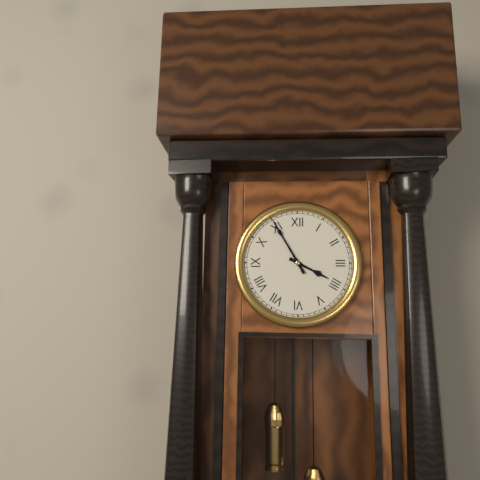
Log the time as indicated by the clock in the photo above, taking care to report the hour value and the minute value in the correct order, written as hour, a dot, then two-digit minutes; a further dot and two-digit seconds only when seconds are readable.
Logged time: 3.55
